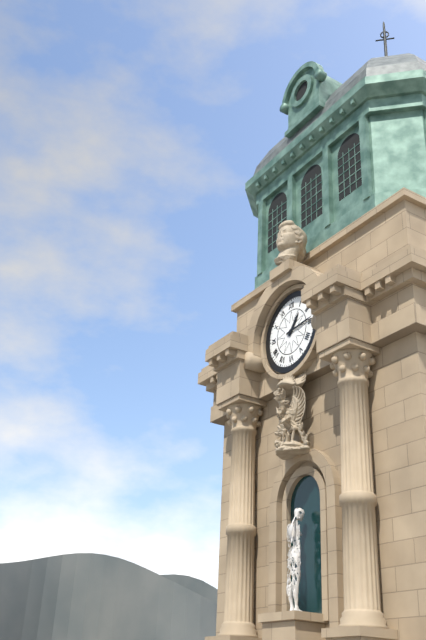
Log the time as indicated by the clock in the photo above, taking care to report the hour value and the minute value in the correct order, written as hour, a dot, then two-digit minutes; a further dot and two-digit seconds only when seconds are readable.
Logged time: 1.14
